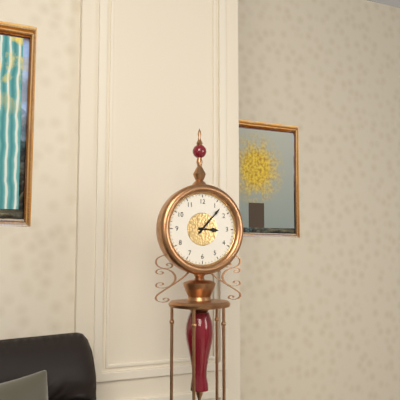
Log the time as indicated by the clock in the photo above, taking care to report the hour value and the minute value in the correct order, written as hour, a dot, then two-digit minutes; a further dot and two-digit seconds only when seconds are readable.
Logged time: 3.07
